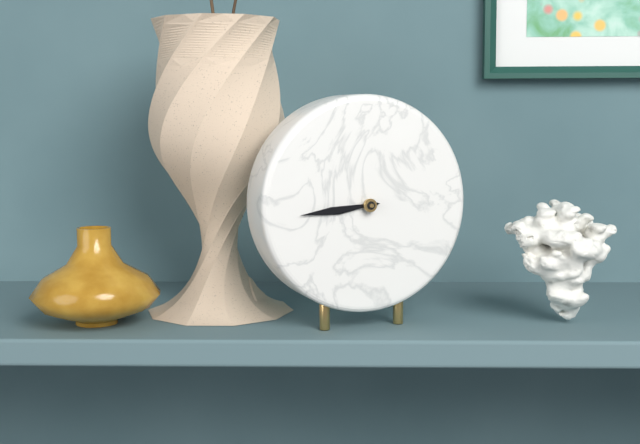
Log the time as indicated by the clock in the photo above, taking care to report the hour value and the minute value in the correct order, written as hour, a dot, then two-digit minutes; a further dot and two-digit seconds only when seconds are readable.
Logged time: 8.44
